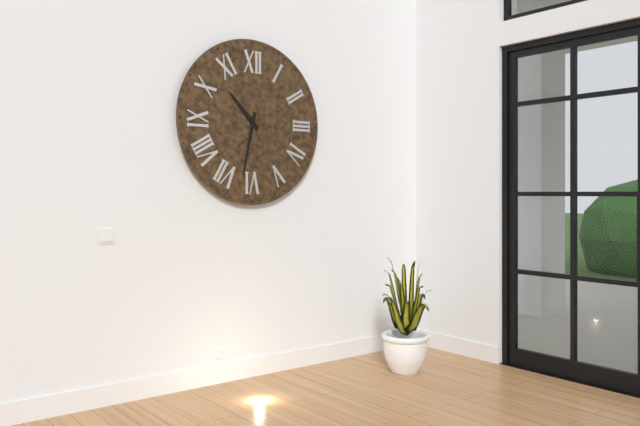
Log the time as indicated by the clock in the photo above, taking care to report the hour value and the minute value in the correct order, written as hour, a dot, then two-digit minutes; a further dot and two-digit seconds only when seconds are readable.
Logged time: 10.32
